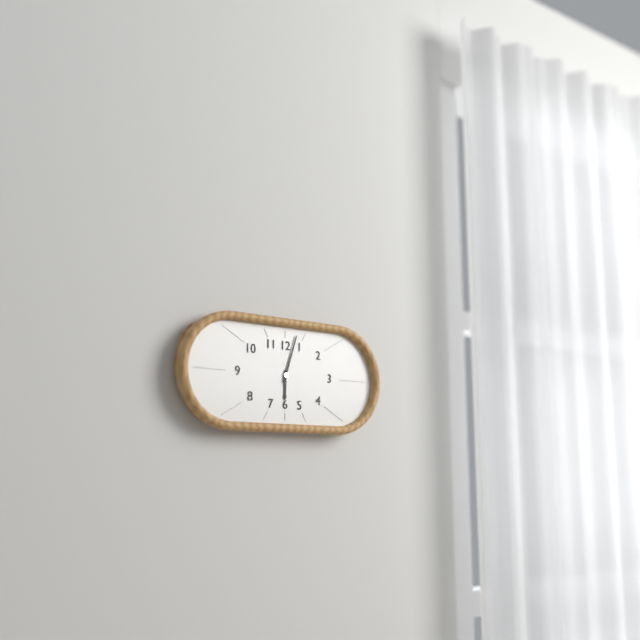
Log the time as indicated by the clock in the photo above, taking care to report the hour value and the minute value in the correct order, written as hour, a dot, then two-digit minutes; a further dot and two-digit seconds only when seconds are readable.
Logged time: 6.03
